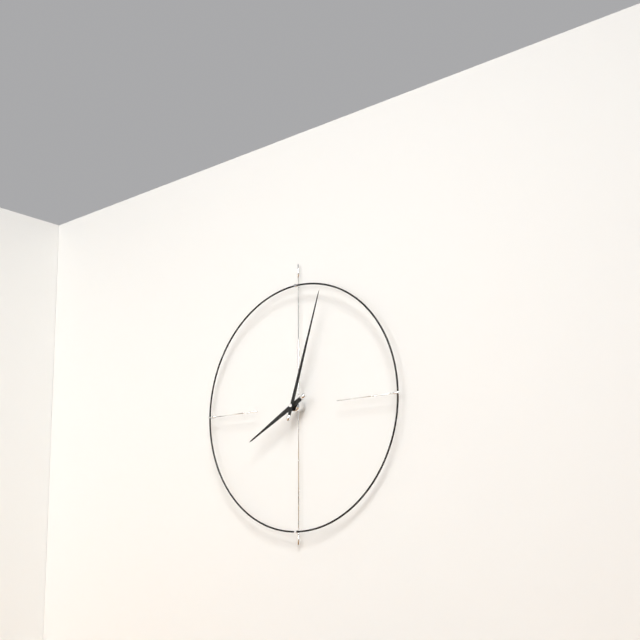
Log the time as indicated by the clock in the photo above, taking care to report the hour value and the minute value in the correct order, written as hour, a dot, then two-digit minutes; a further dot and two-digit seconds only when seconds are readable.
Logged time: 8.03
